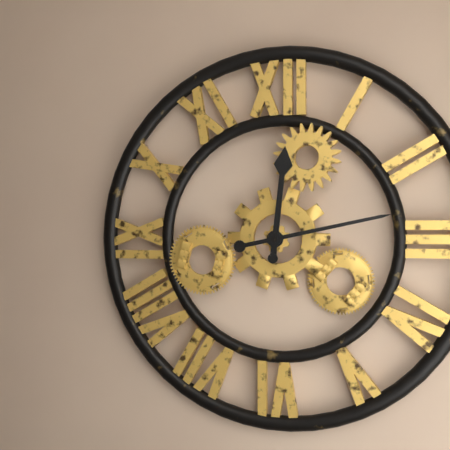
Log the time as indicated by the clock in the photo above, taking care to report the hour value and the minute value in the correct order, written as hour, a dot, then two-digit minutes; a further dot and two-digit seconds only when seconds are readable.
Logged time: 12.13
